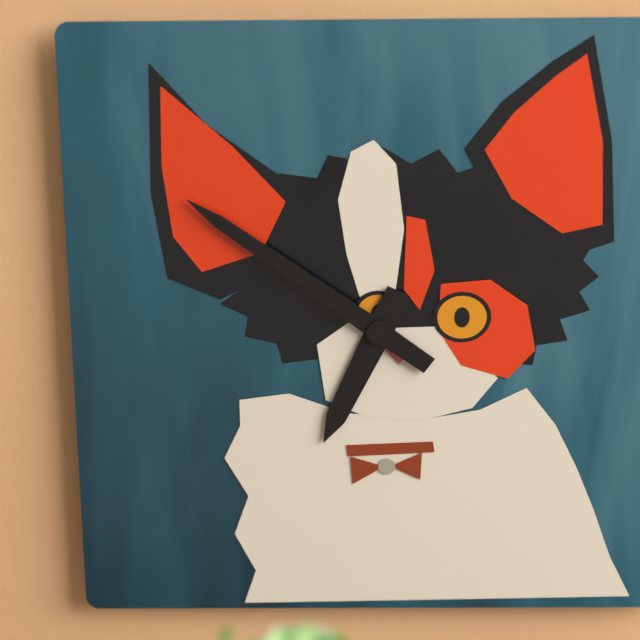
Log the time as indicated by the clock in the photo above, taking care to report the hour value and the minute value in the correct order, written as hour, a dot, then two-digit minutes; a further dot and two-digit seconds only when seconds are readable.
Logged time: 6.51
